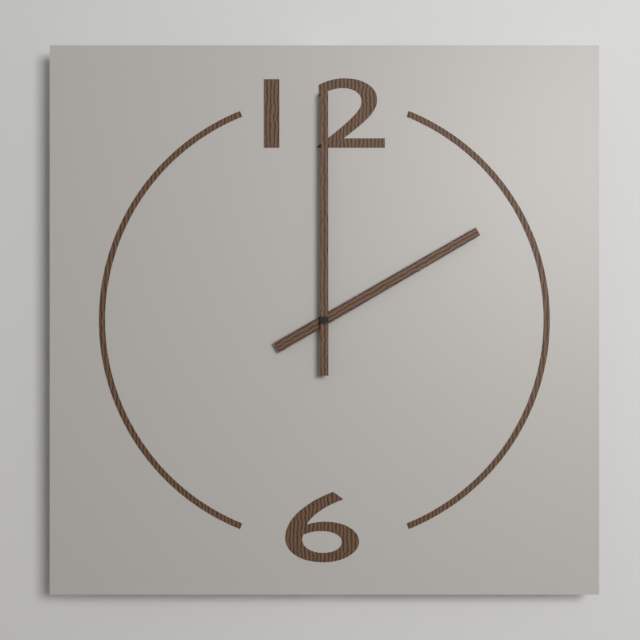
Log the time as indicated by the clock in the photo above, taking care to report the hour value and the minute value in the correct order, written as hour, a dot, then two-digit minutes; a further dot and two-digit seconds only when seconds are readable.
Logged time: 2.00
